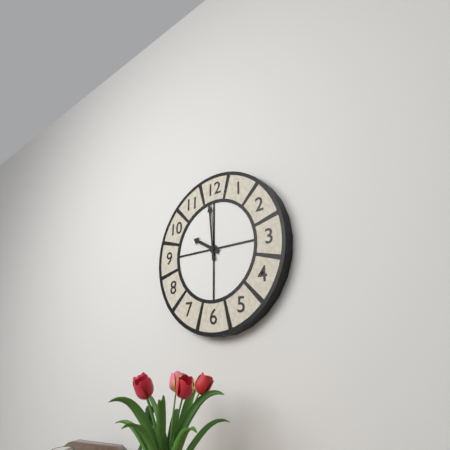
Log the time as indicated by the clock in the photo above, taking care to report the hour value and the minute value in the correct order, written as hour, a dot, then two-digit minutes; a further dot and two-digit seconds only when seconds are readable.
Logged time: 9.59
